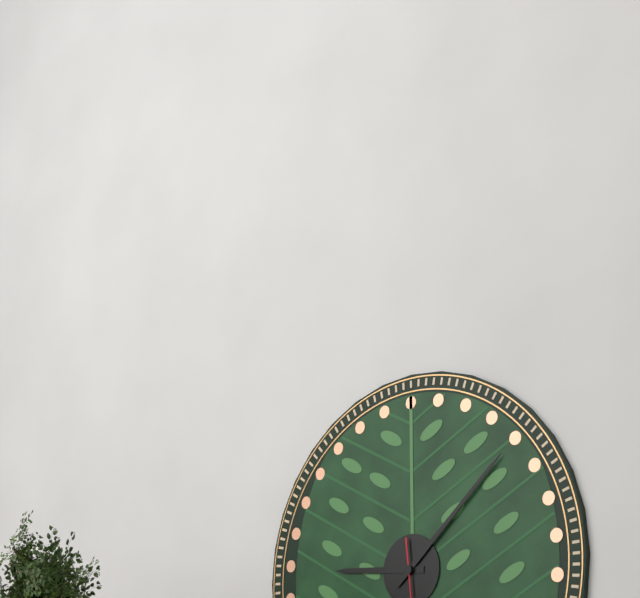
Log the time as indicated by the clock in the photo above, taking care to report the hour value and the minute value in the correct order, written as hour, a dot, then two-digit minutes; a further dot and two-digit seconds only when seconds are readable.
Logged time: 9.08
